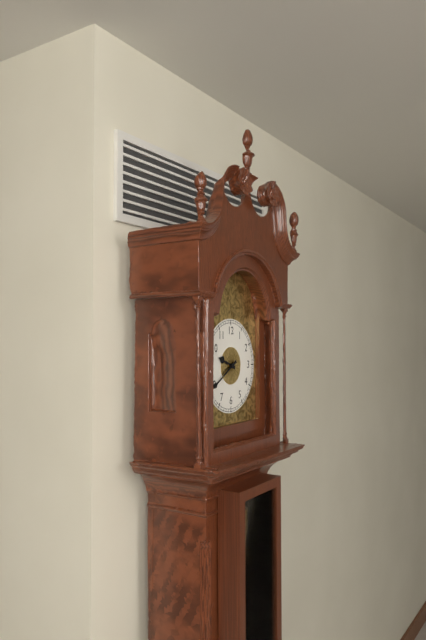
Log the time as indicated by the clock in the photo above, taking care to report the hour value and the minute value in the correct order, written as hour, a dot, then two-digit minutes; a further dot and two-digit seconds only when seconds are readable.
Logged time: 9.40
